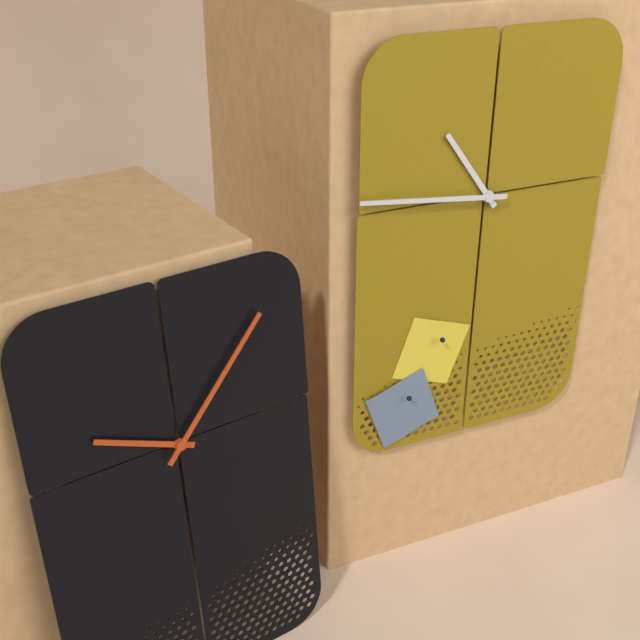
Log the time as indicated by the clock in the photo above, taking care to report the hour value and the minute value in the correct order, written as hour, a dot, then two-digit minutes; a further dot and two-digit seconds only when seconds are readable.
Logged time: 10.46
